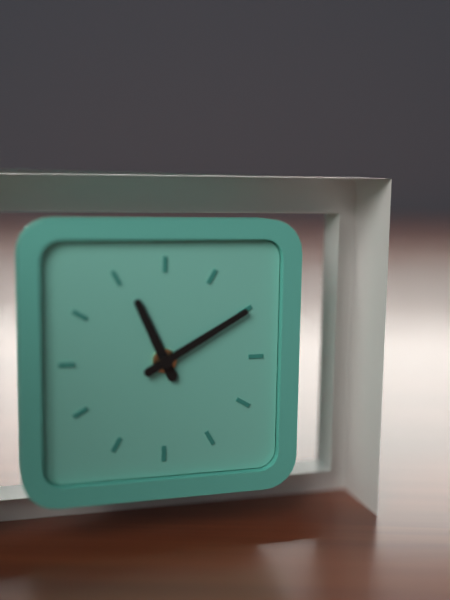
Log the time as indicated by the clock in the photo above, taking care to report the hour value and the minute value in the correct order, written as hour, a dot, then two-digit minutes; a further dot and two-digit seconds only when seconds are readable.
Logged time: 11.10
